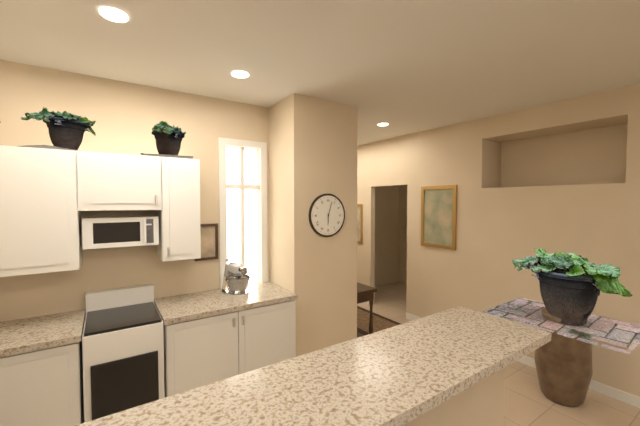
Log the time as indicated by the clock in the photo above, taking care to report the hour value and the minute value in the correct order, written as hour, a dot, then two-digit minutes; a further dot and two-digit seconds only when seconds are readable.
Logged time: 6.03
